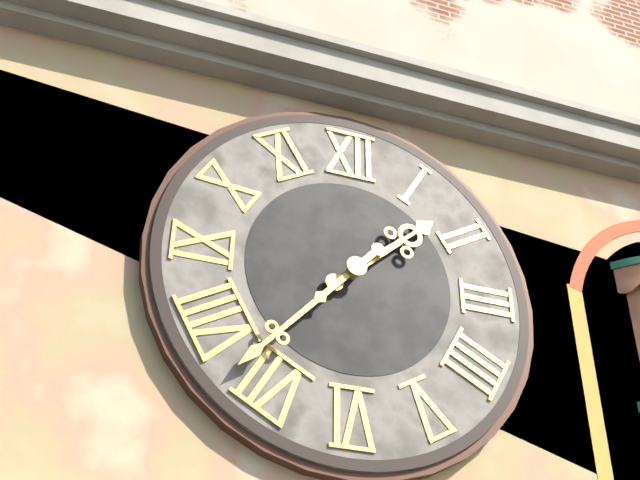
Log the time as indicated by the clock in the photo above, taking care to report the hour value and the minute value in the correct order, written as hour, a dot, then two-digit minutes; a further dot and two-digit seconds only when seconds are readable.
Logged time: 1.37
